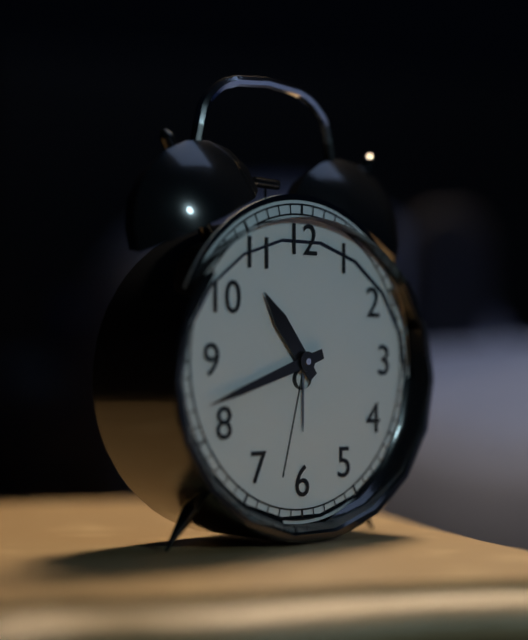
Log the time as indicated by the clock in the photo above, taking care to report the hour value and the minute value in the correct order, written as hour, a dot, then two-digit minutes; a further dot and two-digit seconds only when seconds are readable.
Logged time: 10.42
